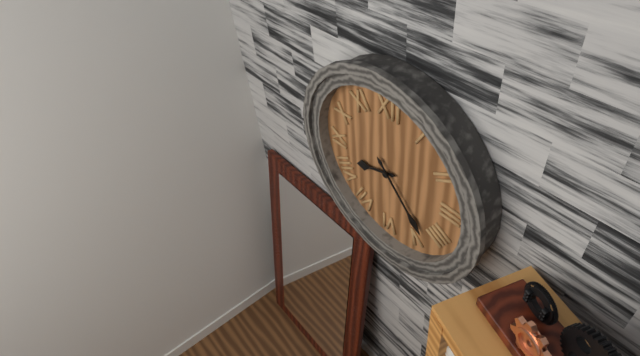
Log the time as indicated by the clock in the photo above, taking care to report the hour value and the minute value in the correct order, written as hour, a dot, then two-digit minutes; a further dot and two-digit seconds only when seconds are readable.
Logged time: 8.23
